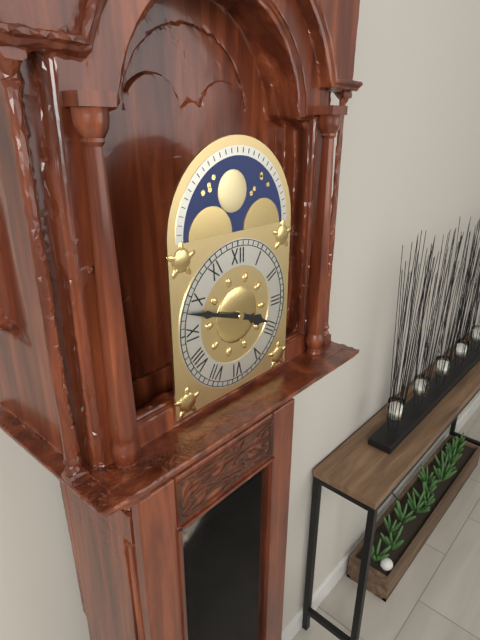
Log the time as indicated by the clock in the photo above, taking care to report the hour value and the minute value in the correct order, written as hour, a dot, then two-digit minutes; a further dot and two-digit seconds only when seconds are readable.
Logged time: 3.48
